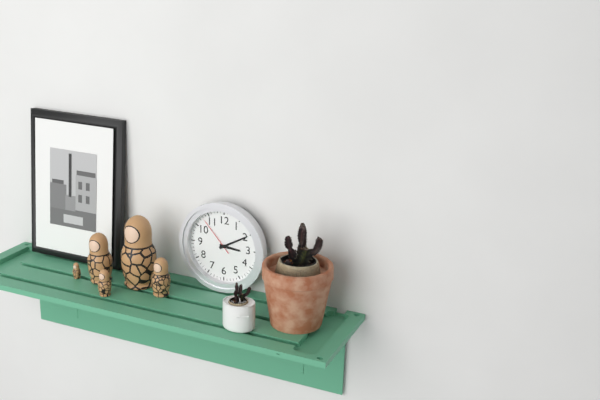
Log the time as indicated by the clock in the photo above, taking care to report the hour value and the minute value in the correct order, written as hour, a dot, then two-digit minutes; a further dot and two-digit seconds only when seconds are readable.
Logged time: 3.10
